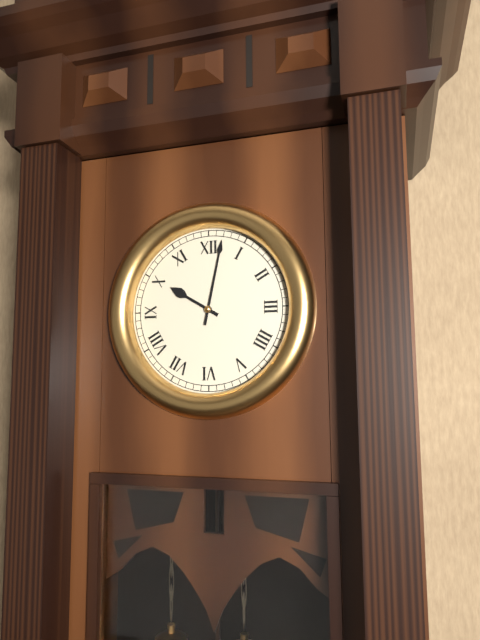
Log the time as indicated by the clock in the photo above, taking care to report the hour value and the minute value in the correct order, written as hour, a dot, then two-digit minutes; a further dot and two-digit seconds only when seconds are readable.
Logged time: 10.02
